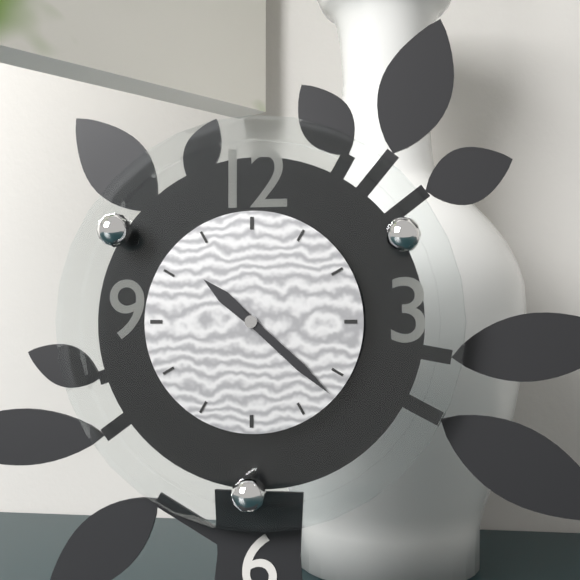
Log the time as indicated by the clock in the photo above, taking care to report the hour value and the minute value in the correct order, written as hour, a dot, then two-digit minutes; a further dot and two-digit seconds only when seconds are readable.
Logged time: 10.22
